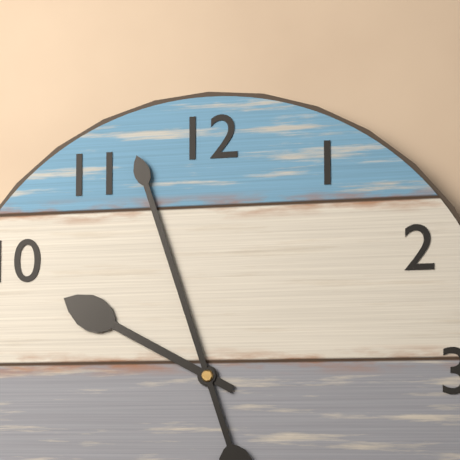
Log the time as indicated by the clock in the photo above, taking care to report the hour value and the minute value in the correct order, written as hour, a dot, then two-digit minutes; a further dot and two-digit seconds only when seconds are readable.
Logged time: 9.57
